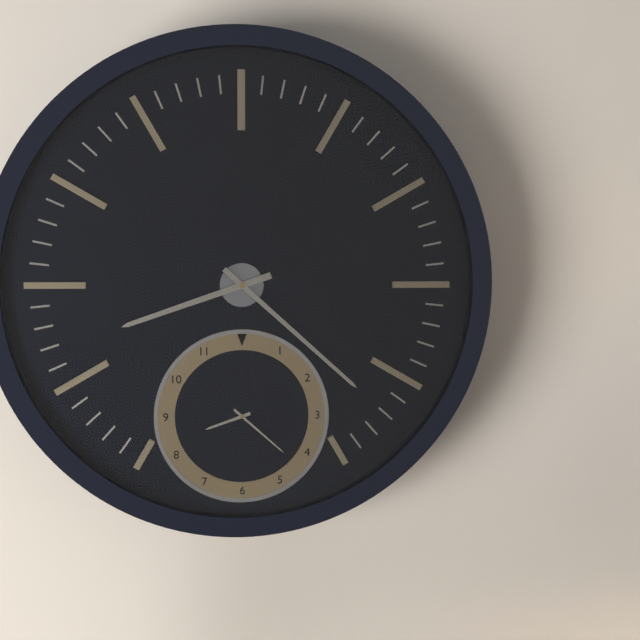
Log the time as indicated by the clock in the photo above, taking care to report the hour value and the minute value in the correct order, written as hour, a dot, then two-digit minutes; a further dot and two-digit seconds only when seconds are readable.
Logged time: 8.22
